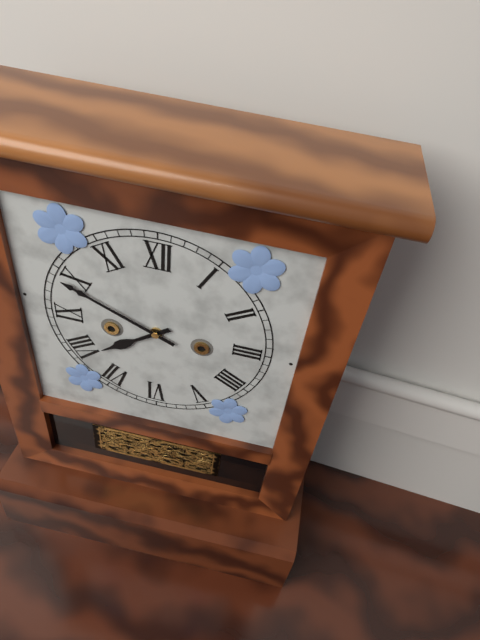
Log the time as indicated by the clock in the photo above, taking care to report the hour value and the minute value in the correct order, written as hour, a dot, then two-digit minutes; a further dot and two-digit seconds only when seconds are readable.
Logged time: 7.49
